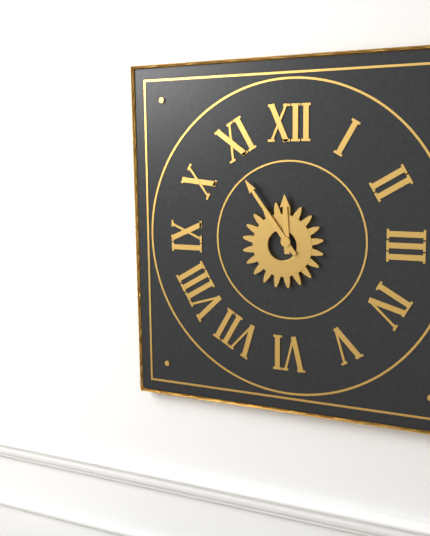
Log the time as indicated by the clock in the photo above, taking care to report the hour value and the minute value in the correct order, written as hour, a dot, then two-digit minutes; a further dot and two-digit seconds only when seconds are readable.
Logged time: 11.54
